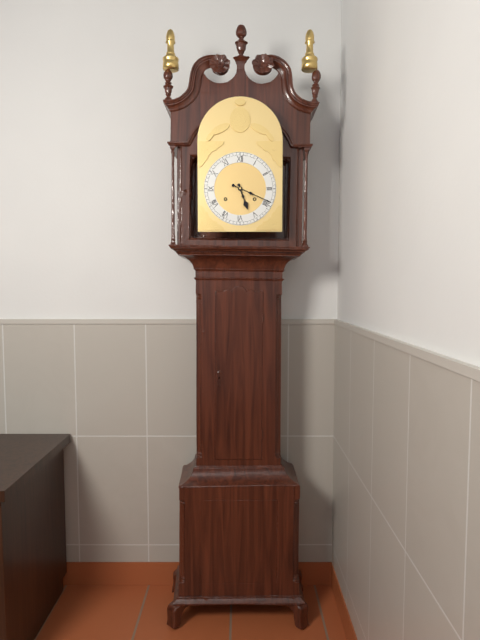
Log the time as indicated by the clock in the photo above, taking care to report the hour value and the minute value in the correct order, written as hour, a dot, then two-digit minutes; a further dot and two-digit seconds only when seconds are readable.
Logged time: 5.19
